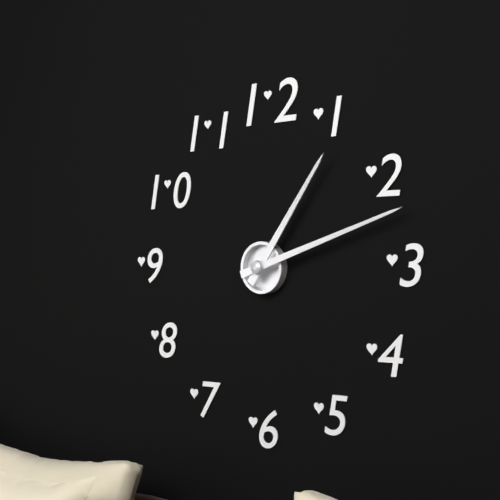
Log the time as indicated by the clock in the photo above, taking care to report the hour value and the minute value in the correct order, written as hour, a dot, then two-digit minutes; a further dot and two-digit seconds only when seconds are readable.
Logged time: 1.12
